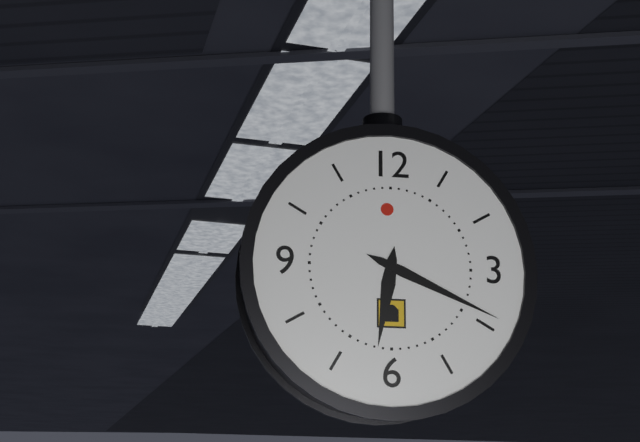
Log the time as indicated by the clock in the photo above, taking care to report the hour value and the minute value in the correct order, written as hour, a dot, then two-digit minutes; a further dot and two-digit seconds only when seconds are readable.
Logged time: 6.19
